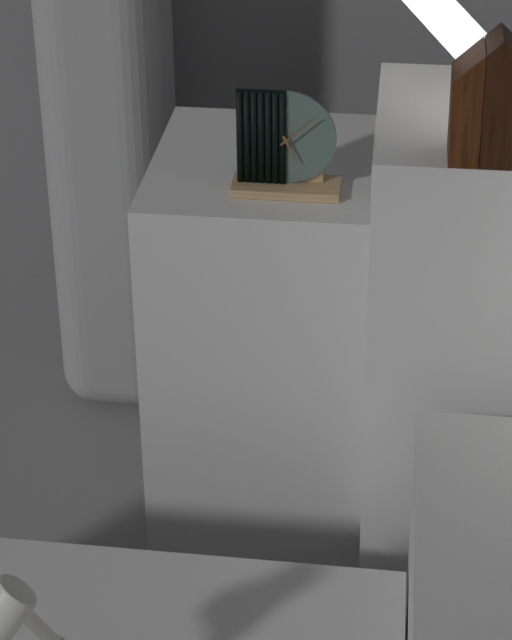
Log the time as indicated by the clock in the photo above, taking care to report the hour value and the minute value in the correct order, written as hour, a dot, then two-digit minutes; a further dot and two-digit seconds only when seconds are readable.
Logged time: 5.08
